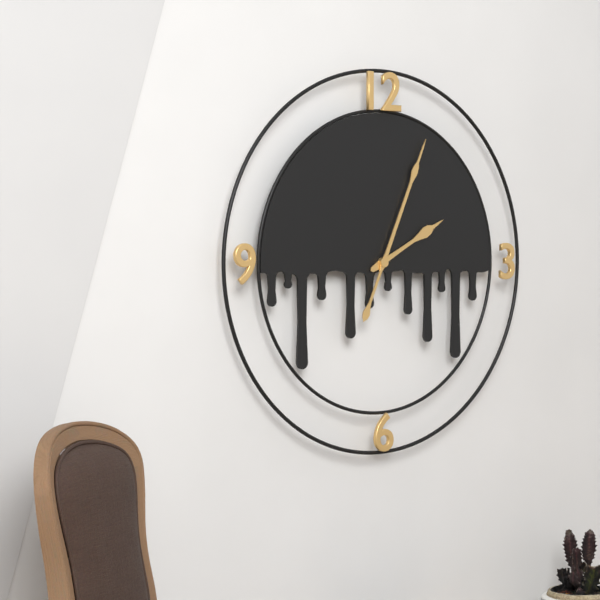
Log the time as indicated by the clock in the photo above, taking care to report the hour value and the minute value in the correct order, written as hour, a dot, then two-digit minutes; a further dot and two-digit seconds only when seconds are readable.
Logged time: 2.04
